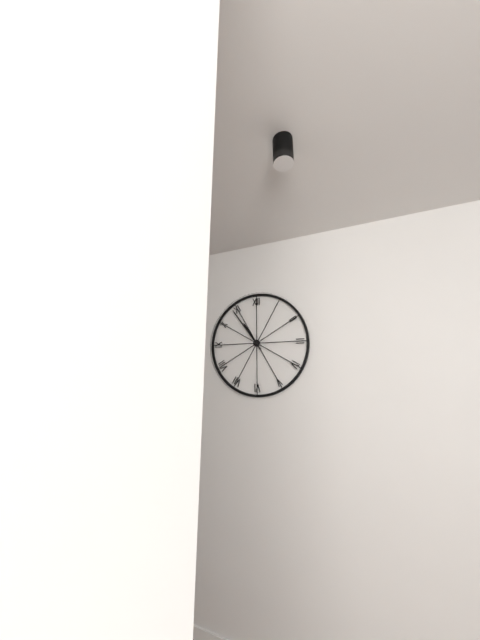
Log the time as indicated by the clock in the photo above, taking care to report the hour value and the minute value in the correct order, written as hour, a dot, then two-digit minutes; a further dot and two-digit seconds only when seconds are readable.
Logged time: 10.54
